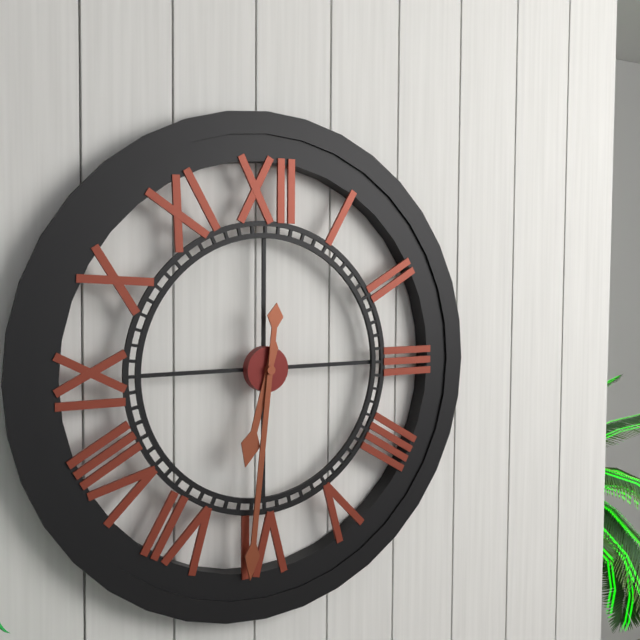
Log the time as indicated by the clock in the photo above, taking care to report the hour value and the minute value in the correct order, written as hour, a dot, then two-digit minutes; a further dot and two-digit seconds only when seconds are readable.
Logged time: 6.31
